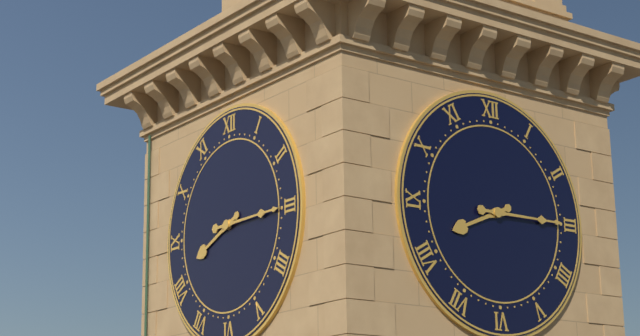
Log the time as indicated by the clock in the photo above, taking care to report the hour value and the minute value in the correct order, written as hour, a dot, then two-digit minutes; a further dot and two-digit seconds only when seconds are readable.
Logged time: 8.15
